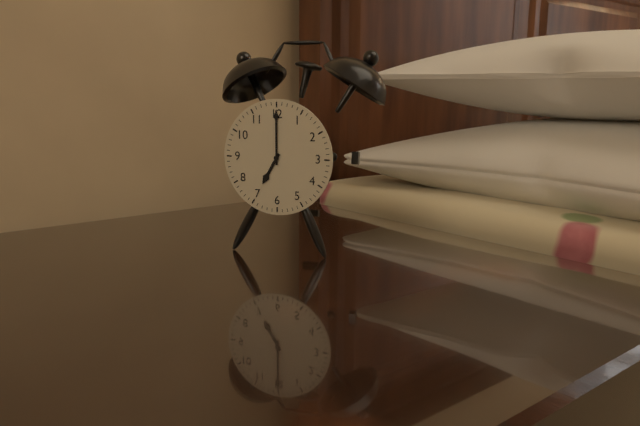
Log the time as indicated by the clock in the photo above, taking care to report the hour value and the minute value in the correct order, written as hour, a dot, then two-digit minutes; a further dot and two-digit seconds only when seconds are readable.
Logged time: 7.00
